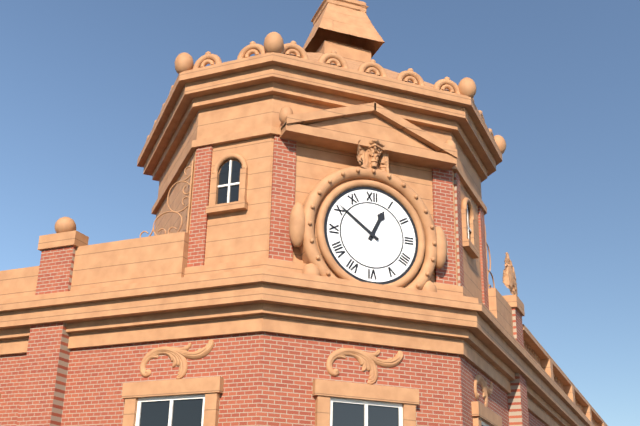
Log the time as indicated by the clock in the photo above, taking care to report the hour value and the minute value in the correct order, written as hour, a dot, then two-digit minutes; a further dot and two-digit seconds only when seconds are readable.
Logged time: 12.51
